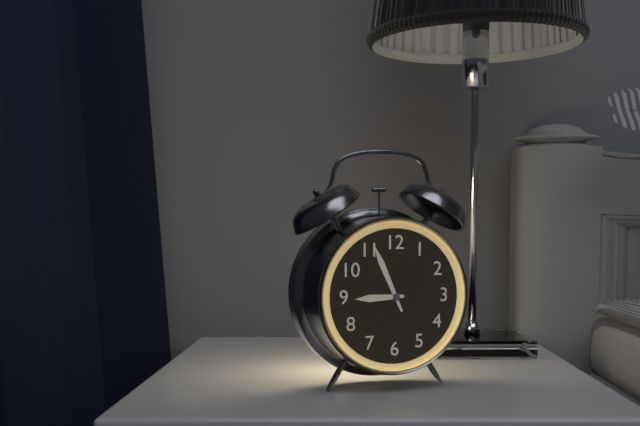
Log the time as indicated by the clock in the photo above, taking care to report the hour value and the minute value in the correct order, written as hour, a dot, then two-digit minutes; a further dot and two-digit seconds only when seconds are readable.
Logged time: 8.56
